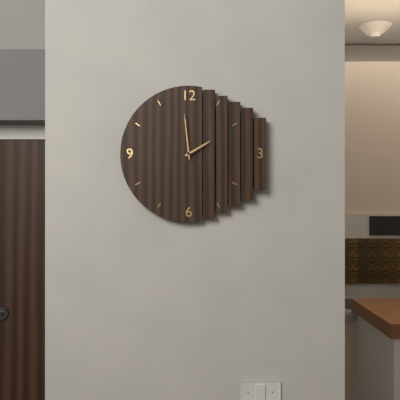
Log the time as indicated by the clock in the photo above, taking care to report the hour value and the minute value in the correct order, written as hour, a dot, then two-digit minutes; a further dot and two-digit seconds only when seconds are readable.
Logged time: 1.59
